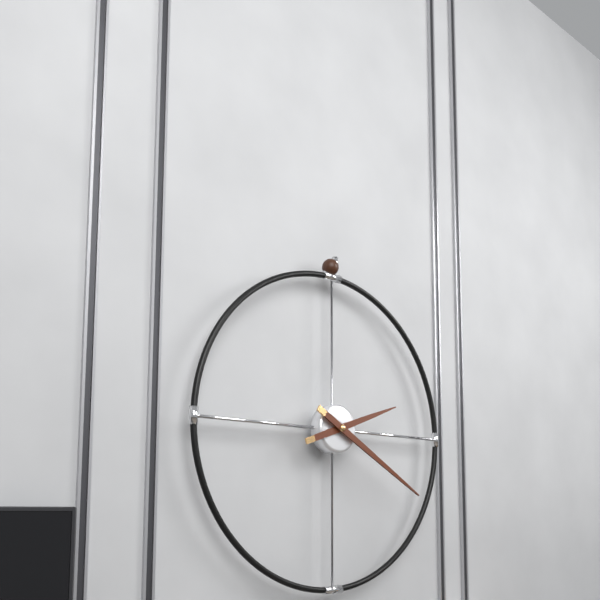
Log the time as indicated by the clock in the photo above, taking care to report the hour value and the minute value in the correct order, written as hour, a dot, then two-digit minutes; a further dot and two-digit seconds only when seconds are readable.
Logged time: 2.20
